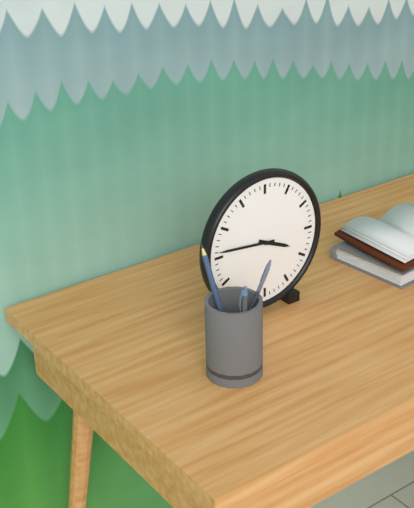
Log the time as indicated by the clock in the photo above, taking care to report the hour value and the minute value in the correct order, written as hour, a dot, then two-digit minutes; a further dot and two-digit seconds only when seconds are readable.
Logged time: 3.46
